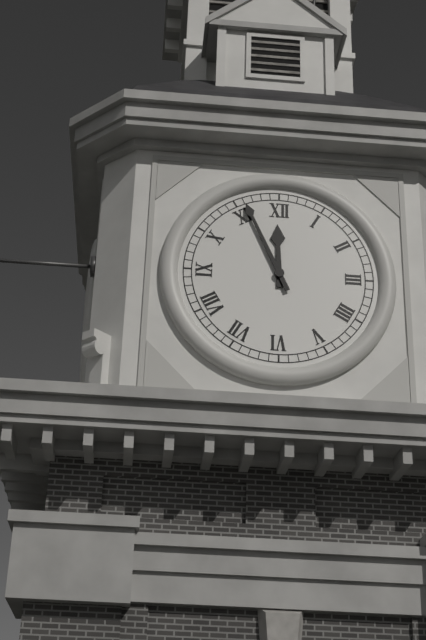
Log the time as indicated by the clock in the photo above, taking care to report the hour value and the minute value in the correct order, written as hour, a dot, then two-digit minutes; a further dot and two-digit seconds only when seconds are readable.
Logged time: 11.56
